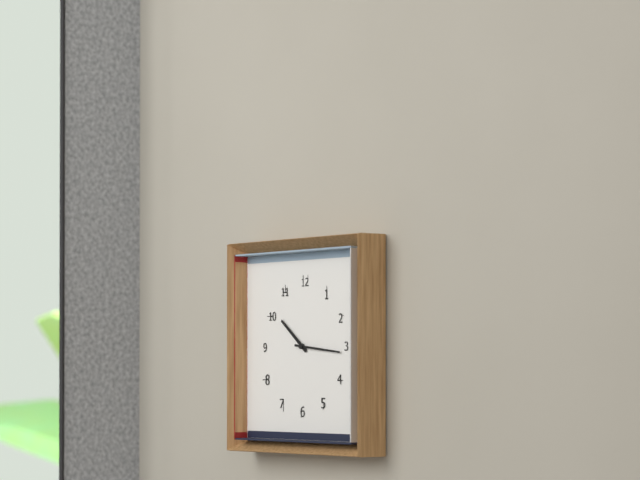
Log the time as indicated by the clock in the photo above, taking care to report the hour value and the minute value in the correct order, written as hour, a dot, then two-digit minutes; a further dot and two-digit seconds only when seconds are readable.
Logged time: 10.16
